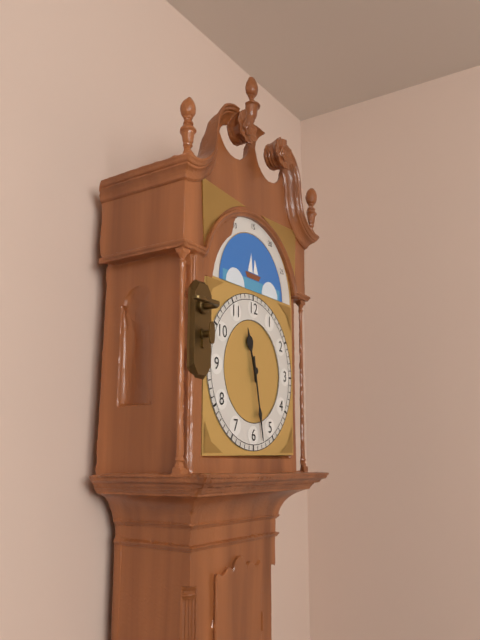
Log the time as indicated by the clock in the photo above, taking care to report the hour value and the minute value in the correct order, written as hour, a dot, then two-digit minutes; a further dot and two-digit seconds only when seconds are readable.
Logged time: 11.28
